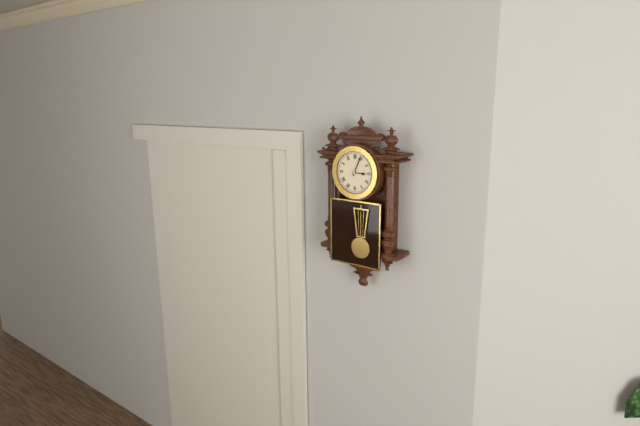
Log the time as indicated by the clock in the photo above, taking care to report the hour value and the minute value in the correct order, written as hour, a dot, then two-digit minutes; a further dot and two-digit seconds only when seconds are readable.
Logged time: 3.04
